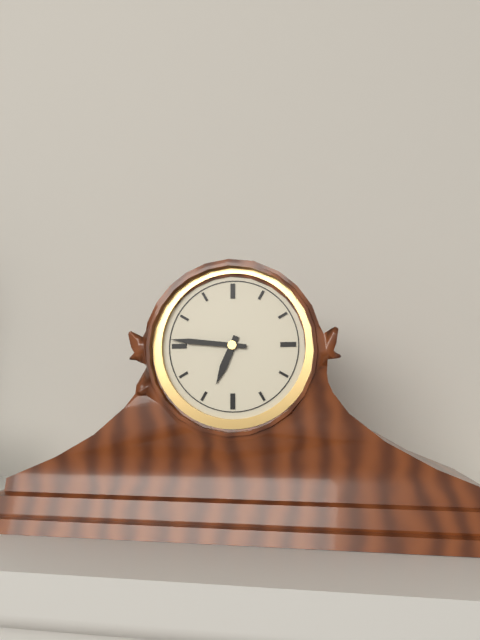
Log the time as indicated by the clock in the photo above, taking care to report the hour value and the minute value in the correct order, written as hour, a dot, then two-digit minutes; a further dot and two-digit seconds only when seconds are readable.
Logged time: 6.46
